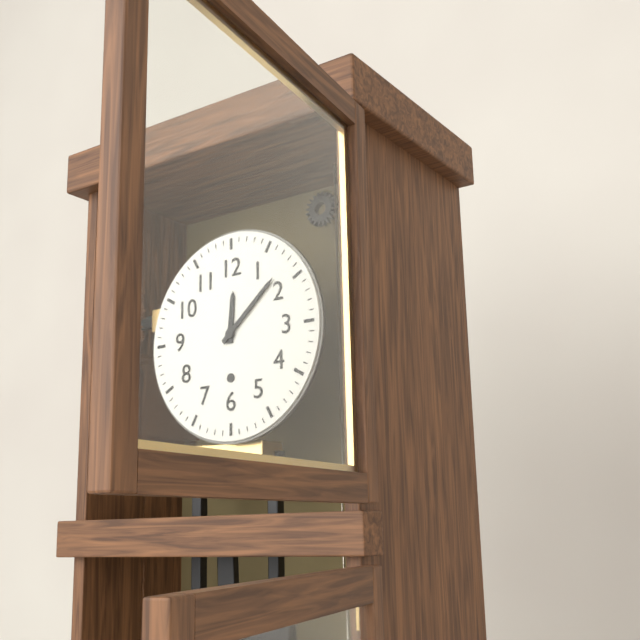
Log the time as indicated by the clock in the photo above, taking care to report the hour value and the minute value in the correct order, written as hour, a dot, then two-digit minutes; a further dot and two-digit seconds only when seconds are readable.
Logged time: 12.08
